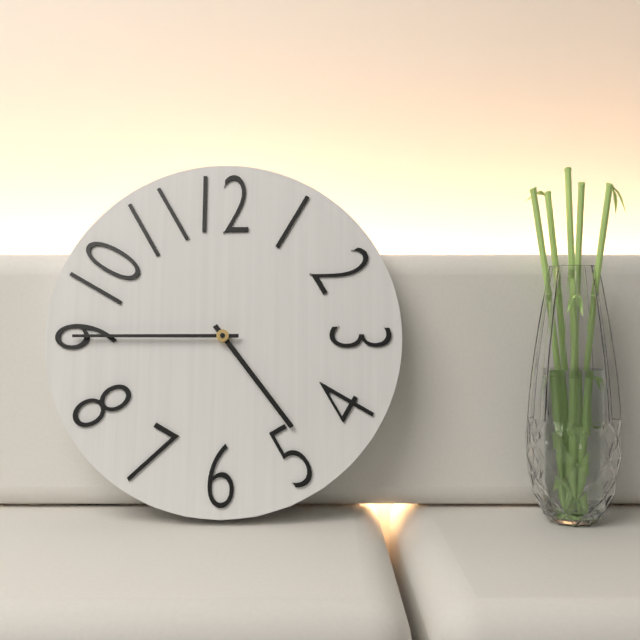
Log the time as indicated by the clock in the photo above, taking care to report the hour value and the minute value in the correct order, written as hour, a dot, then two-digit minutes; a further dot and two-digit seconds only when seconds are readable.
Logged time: 4.45
